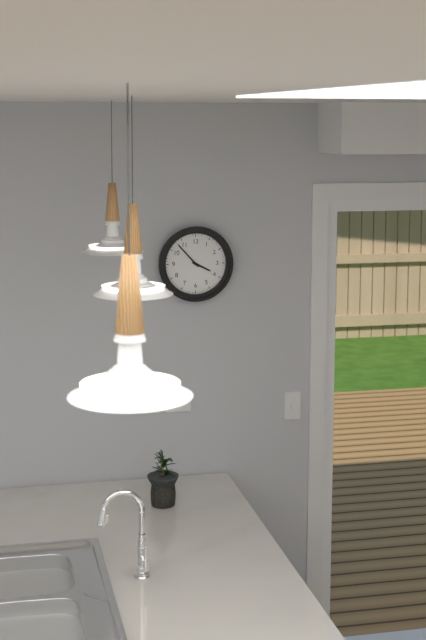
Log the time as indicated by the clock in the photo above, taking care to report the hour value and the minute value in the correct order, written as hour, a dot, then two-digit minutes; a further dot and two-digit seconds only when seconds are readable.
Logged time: 3.53
